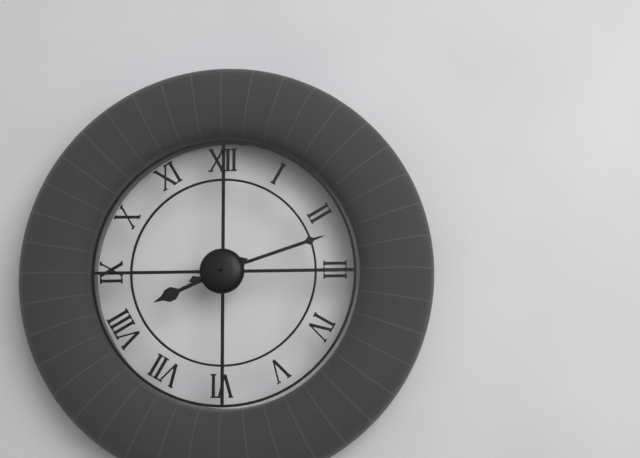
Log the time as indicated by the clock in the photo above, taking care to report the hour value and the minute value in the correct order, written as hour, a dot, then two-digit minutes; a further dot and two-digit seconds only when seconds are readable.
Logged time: 8.12
